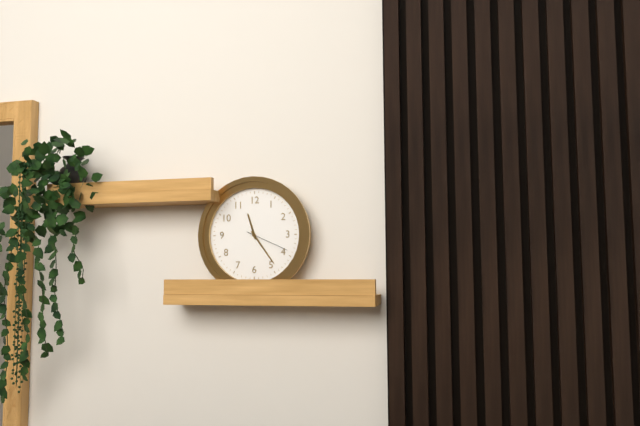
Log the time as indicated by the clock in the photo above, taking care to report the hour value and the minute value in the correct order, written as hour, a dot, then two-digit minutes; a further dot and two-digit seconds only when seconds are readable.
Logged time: 11.24
